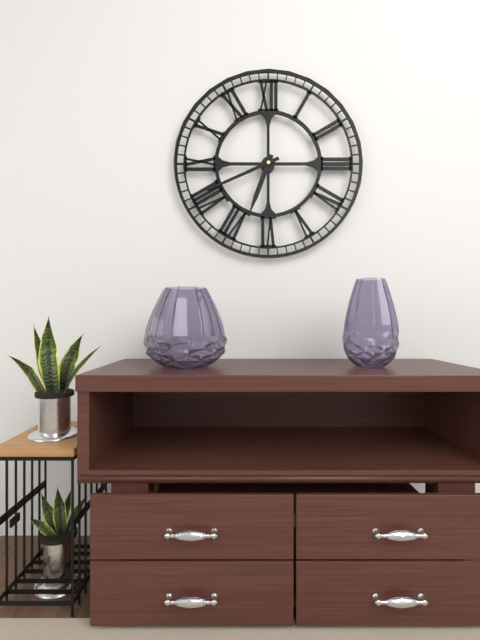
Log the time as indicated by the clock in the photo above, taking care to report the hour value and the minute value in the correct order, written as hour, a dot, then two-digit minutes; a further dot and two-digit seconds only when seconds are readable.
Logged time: 6.41
